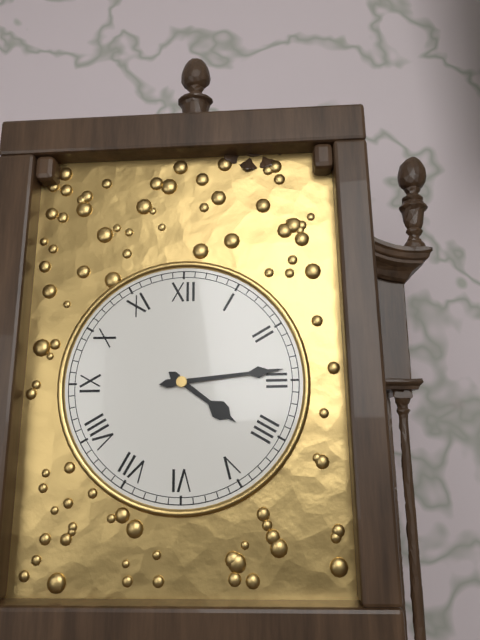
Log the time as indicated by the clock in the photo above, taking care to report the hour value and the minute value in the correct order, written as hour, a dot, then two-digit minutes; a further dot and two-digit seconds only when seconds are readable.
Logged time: 4.14
